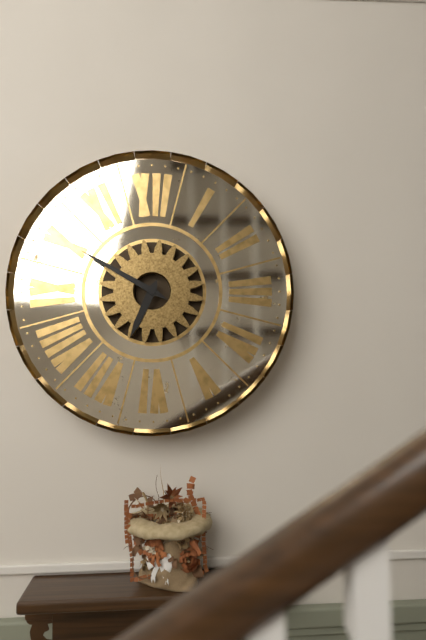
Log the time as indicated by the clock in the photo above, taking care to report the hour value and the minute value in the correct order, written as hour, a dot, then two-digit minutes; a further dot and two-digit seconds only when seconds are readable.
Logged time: 6.50
